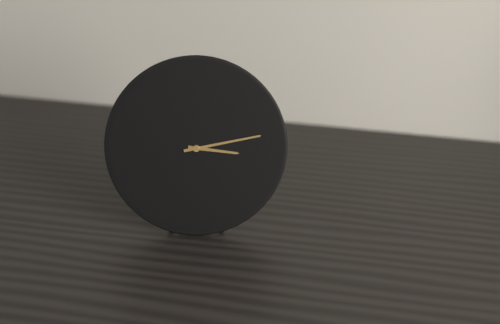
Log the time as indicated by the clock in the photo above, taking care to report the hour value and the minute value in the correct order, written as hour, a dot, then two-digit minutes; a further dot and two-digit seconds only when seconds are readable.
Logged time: 3.13
